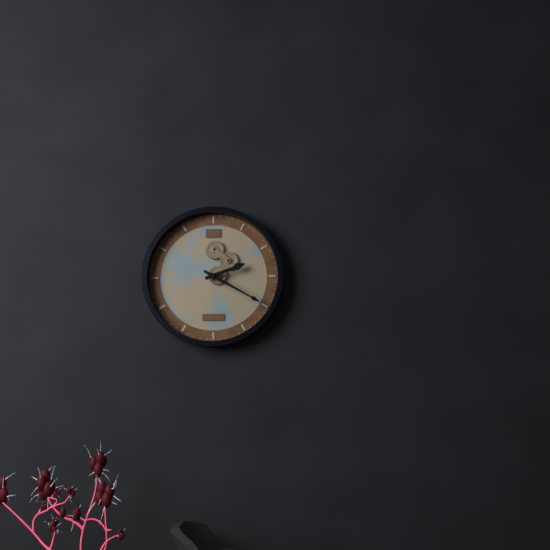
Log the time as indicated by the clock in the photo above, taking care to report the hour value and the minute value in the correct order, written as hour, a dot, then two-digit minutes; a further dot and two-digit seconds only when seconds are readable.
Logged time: 2.20
